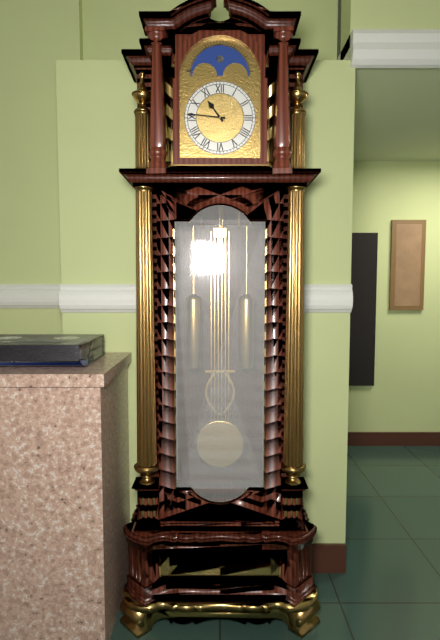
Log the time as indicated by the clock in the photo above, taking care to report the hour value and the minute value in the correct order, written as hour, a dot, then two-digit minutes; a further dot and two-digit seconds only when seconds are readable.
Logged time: 10.46
